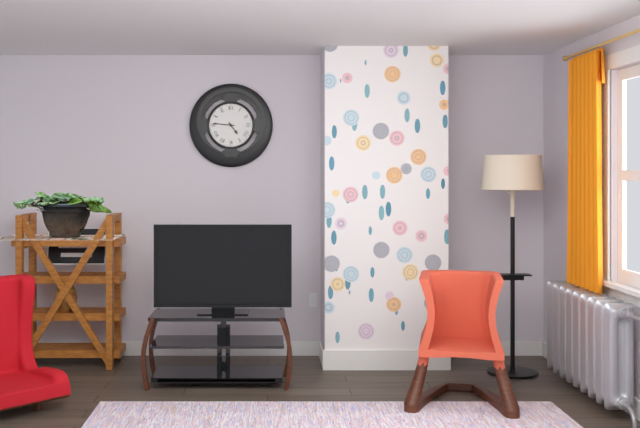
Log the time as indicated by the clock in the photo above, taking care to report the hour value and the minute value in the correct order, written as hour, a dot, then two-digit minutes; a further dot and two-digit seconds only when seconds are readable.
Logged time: 4.46
